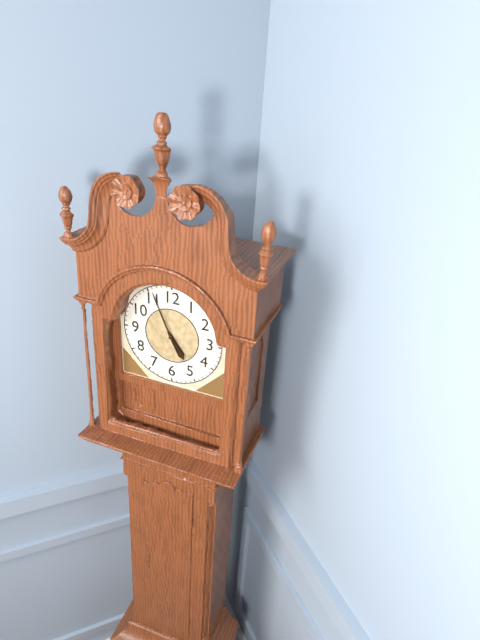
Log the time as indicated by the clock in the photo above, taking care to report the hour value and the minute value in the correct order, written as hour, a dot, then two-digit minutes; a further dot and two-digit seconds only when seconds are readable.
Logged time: 4.56
